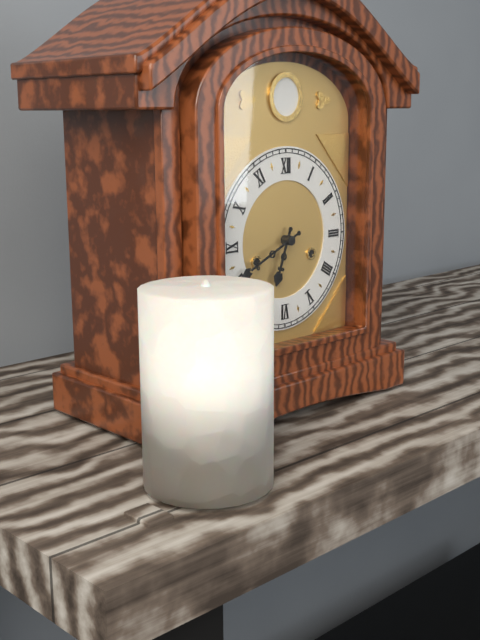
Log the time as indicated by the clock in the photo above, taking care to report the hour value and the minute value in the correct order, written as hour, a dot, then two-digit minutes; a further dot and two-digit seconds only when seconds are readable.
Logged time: 6.41
